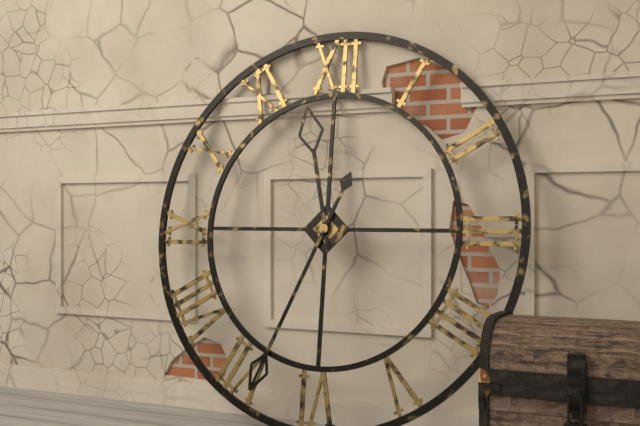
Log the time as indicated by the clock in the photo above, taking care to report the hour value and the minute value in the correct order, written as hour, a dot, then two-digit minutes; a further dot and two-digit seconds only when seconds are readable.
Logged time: 11.34
